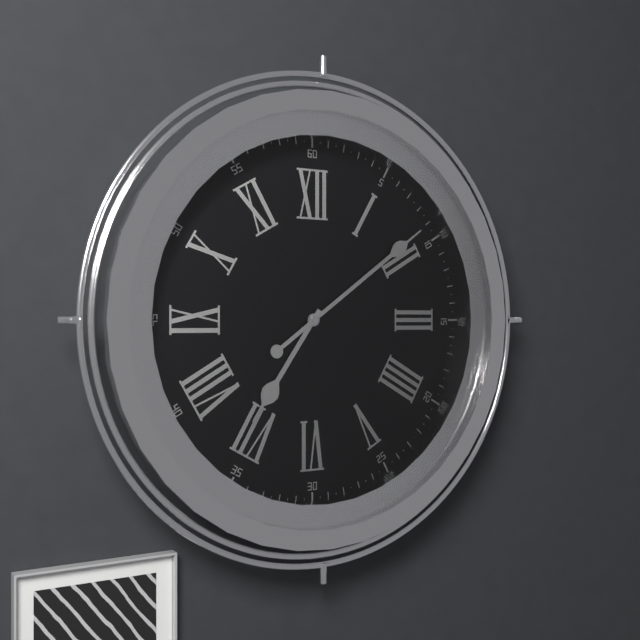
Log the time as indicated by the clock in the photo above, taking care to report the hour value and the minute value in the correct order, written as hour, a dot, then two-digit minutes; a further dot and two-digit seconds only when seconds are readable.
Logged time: 7.09
